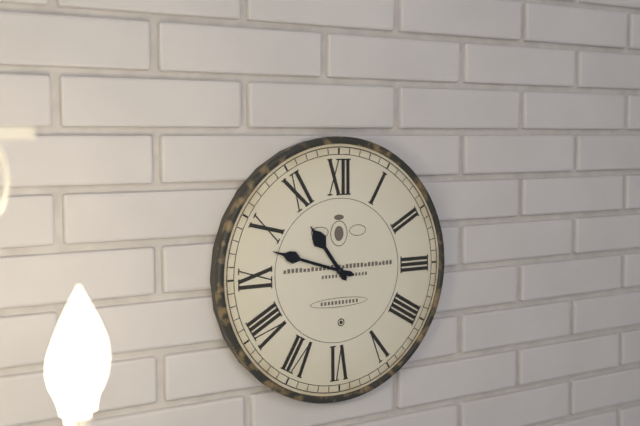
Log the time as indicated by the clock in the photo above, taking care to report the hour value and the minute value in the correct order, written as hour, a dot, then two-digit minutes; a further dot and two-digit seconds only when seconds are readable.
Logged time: 10.48
